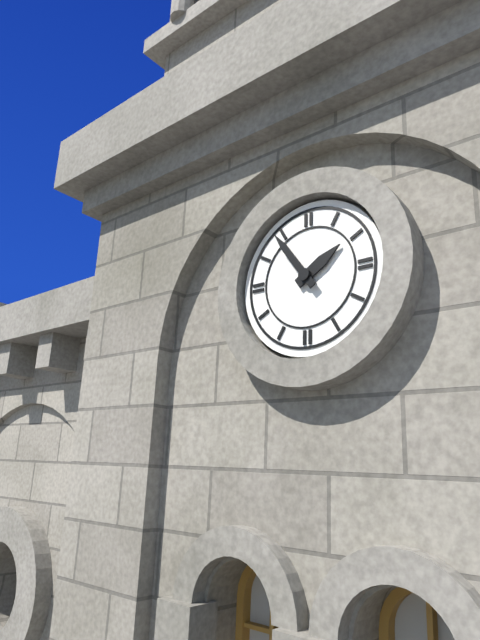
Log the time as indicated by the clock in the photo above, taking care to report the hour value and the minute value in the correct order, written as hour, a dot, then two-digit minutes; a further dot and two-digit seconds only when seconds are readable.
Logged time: 1.54
